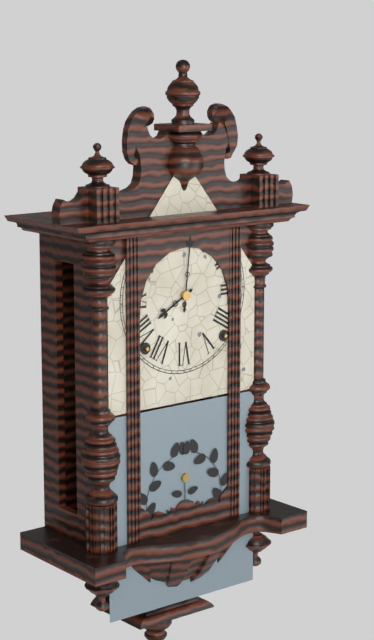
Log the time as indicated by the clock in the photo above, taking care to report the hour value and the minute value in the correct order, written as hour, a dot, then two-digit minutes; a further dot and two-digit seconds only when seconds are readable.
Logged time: 8.01
